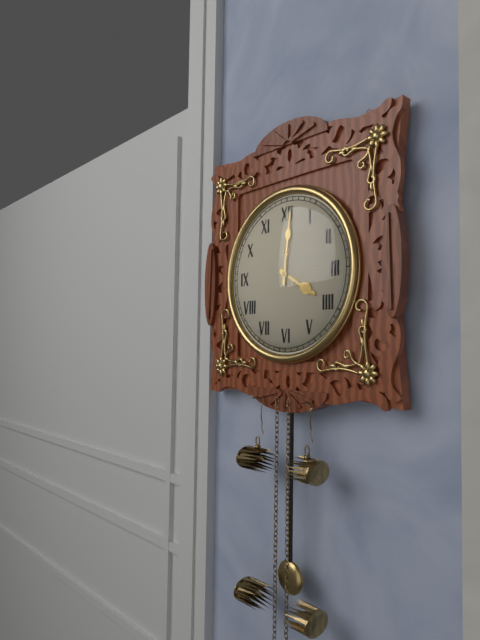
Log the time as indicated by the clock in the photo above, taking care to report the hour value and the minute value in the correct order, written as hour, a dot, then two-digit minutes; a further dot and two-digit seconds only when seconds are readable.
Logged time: 4.01
